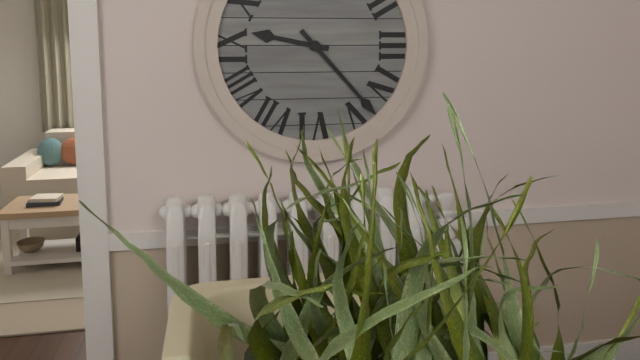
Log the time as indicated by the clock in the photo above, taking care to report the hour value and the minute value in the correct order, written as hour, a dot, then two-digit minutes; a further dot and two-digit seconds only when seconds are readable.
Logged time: 9.23
